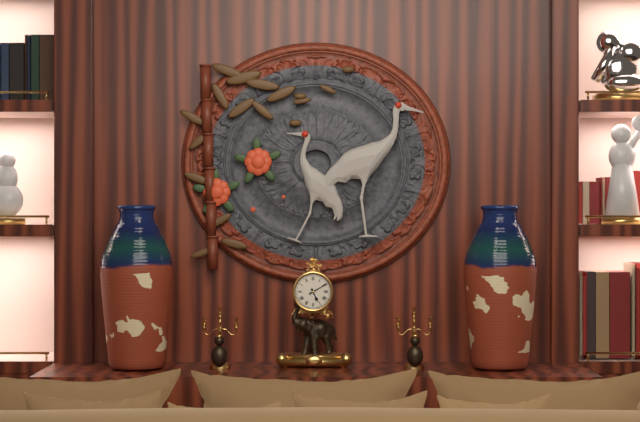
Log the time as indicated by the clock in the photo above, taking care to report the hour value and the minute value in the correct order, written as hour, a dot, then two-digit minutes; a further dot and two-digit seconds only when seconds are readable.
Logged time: 5.10
